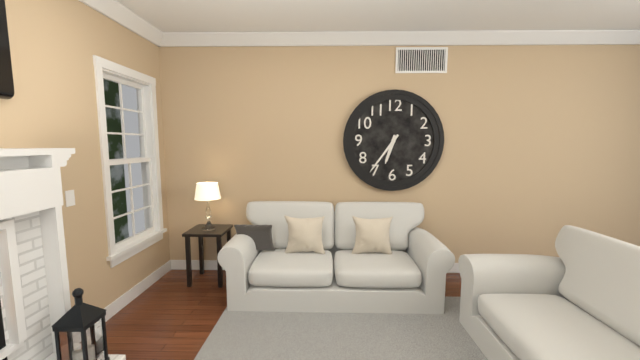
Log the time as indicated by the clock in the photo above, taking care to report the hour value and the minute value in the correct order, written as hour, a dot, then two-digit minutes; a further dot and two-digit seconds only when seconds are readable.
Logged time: 6.36
